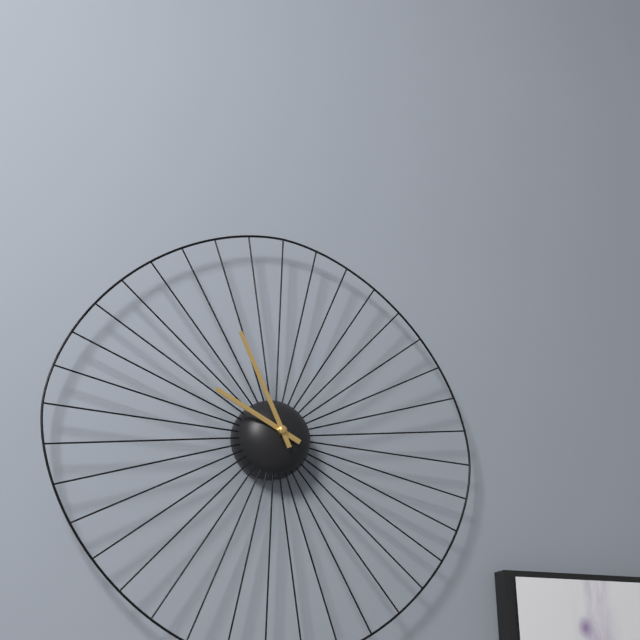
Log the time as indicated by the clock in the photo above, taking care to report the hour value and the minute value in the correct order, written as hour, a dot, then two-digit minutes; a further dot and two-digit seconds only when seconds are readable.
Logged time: 9.56
